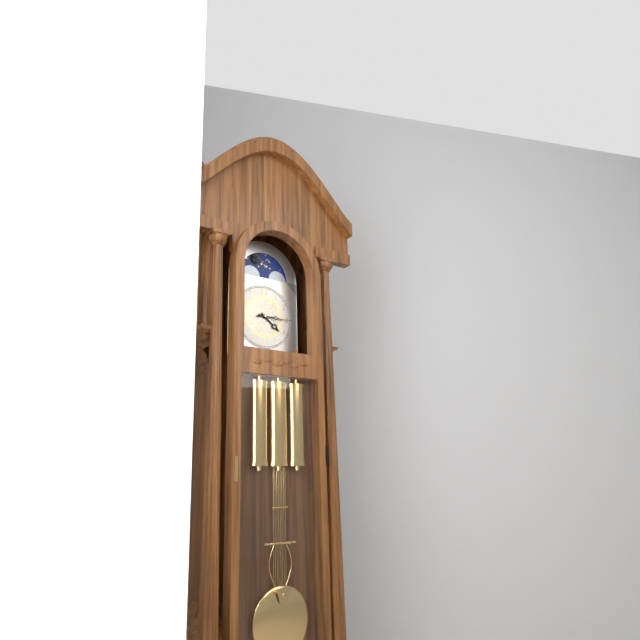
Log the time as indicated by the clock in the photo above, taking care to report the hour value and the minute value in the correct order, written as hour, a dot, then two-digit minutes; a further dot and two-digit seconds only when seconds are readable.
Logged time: 4.15
